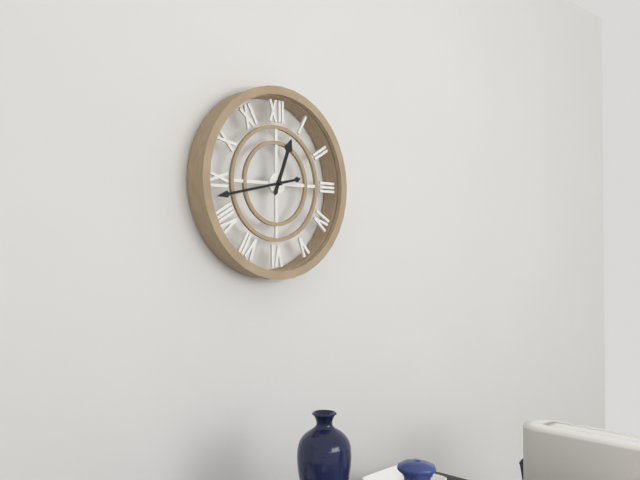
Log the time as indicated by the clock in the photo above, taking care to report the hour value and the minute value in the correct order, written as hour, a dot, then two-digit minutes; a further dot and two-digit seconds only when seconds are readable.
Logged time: 12.43
